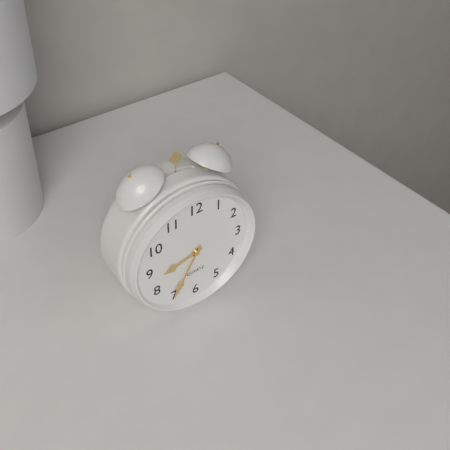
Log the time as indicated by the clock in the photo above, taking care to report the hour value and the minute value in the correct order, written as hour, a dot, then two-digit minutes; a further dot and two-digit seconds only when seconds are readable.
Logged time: 8.35
